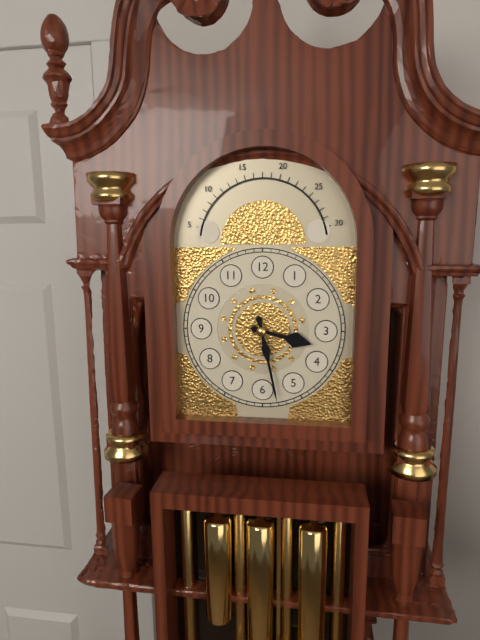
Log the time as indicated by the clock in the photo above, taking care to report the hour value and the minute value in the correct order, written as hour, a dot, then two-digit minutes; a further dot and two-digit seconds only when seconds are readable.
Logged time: 3.28
